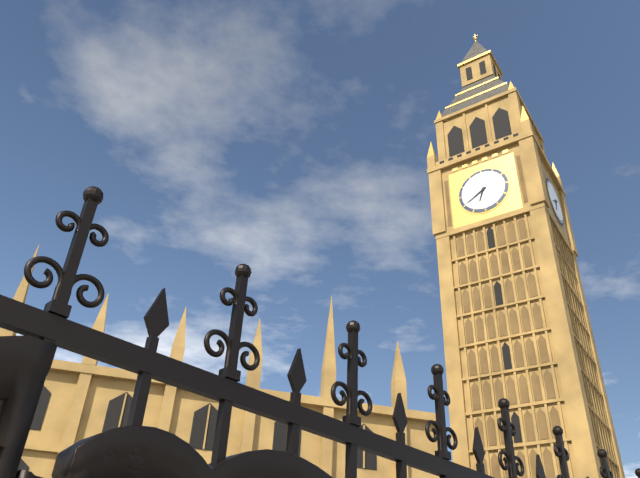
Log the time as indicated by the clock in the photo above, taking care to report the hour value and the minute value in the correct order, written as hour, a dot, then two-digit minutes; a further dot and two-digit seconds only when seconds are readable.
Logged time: 6.40
